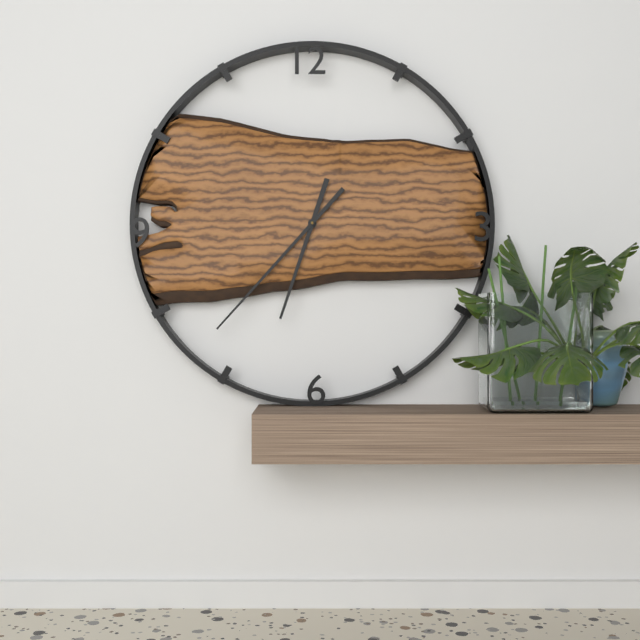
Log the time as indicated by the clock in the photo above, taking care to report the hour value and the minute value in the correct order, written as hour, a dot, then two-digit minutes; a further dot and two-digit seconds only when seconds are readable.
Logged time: 6.37
